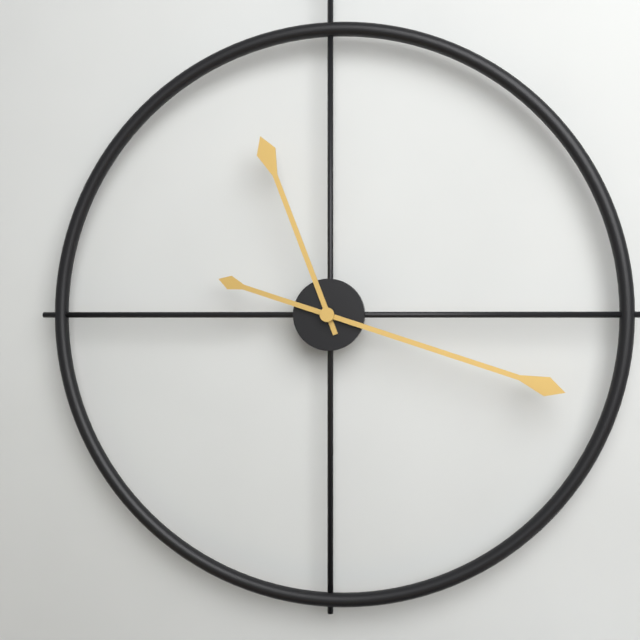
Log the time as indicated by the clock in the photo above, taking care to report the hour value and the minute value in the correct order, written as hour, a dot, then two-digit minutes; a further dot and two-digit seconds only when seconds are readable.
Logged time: 11.18
